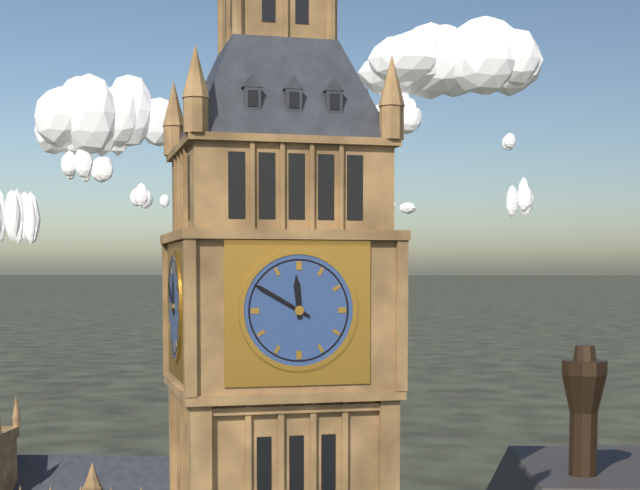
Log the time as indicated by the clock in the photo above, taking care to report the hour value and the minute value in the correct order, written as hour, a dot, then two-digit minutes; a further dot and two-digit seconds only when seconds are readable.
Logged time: 11.50
